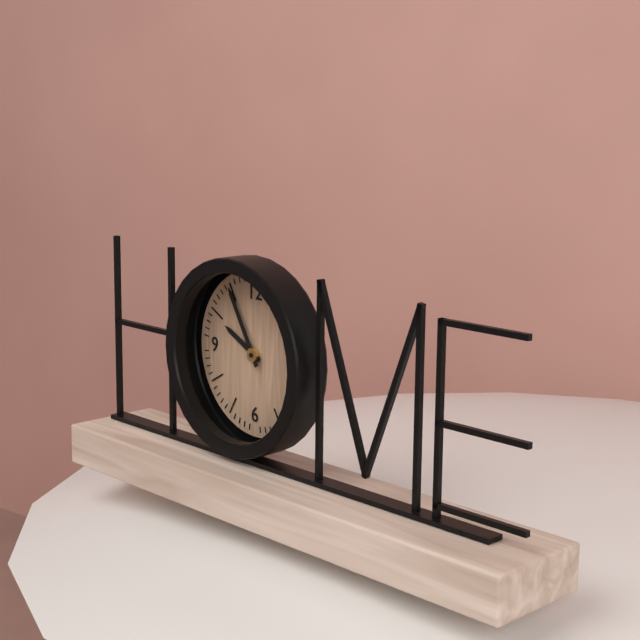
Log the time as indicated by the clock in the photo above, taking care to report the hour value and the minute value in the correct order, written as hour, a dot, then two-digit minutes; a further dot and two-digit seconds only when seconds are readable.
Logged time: 9.55
